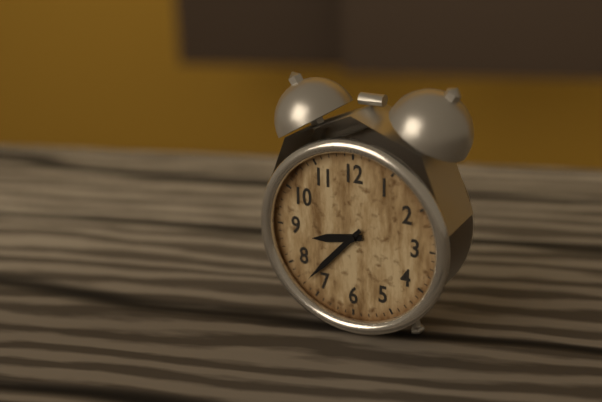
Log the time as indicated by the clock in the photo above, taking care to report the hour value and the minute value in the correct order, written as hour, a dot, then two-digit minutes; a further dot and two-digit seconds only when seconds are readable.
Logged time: 8.37
